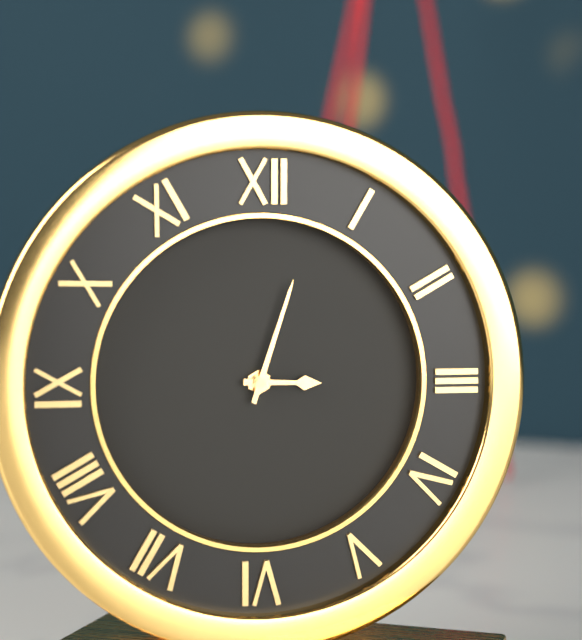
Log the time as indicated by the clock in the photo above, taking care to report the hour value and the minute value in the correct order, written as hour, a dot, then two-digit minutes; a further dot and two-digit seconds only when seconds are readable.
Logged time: 3.03
